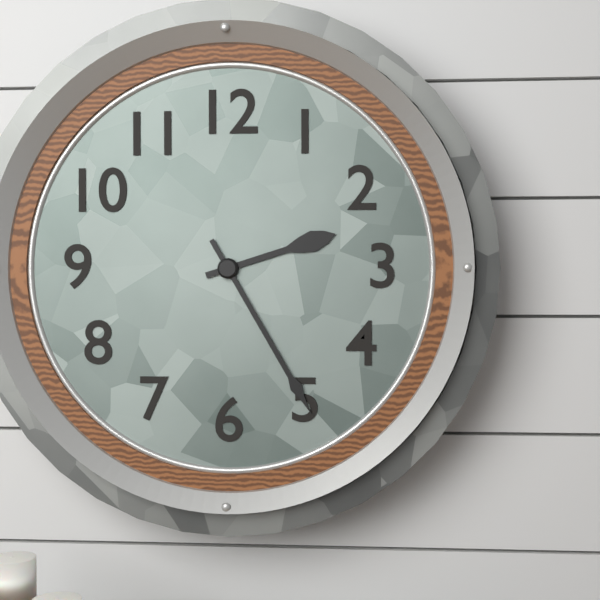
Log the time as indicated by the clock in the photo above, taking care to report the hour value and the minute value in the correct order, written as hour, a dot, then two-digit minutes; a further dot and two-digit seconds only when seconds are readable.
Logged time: 2.25
